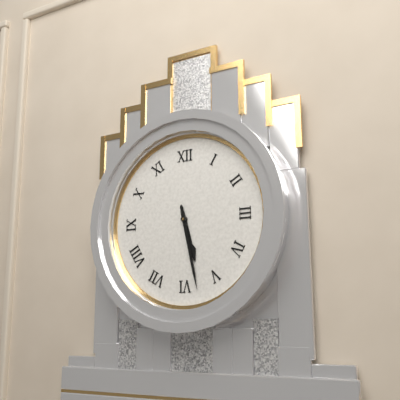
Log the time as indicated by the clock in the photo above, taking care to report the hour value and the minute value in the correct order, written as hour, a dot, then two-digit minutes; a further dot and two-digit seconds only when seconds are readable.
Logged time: 5.28
